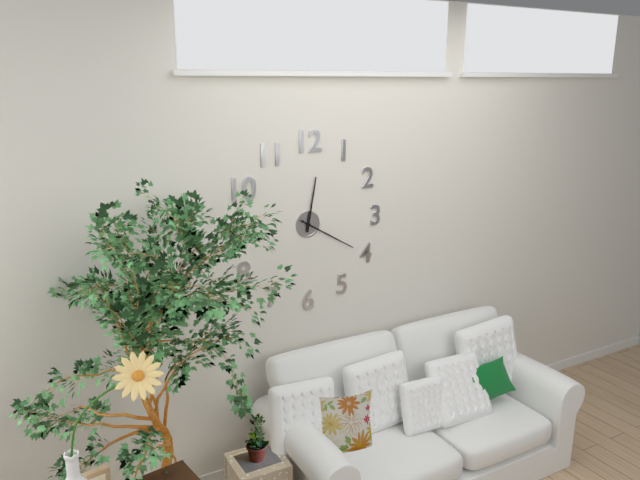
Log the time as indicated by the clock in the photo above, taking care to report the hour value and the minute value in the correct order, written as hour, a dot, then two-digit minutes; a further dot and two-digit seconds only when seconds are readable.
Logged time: 12.20
